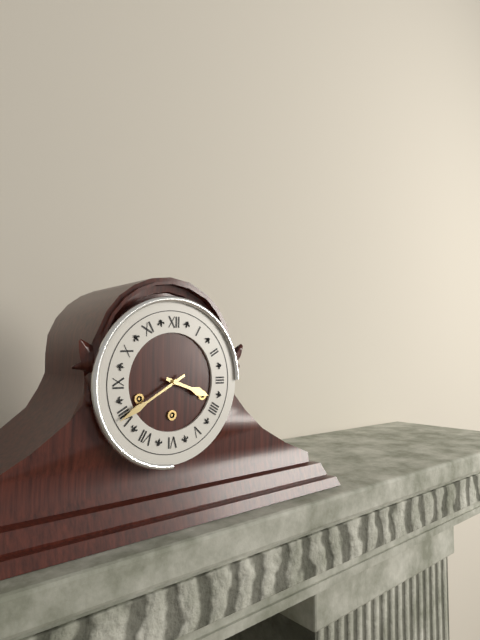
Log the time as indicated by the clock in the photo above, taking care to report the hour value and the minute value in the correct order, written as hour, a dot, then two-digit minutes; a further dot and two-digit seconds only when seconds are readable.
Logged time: 3.40
